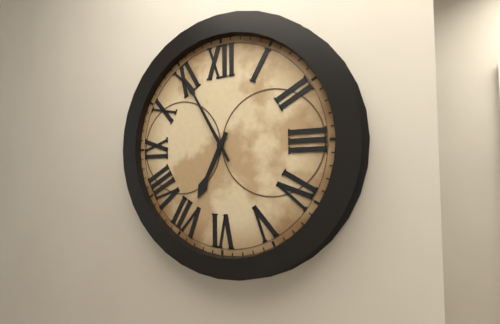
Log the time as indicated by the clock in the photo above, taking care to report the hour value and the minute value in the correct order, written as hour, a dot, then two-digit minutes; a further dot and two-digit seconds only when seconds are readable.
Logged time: 6.55
